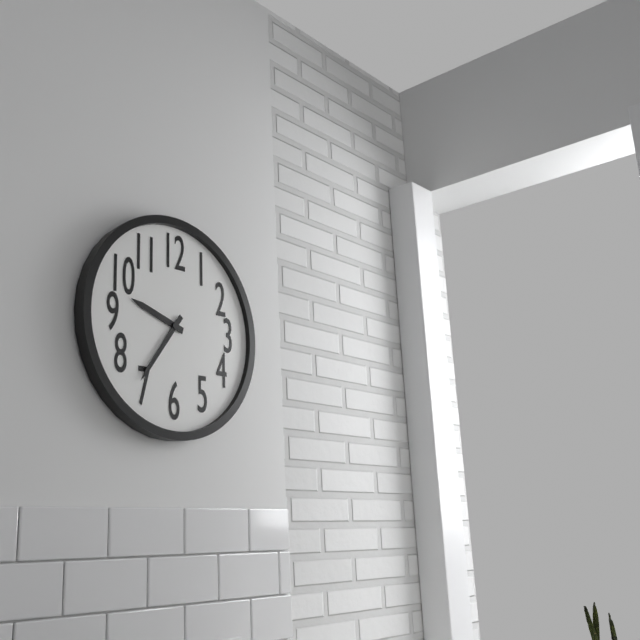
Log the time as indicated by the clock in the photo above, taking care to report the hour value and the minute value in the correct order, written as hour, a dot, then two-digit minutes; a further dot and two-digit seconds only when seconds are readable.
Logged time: 9.36
